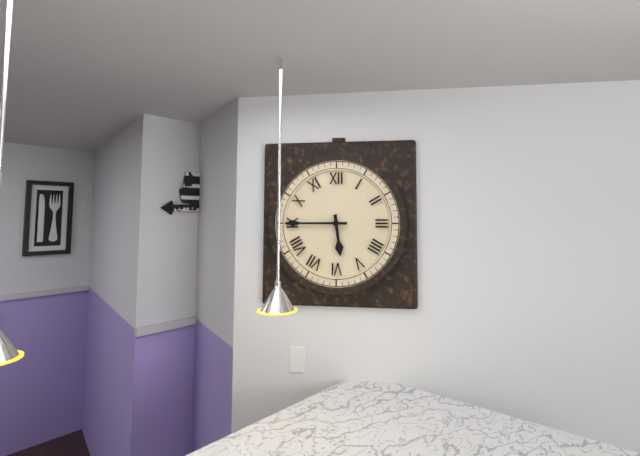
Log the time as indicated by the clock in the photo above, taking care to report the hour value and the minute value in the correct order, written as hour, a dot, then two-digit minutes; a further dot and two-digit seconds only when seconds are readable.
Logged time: 5.45
